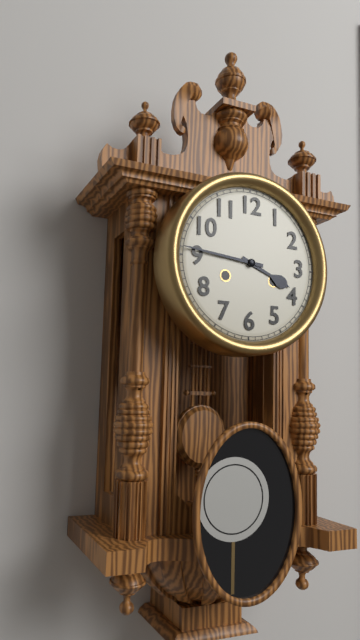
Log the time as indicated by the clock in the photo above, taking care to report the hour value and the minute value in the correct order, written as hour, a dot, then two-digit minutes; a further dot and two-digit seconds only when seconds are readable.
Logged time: 3.46
